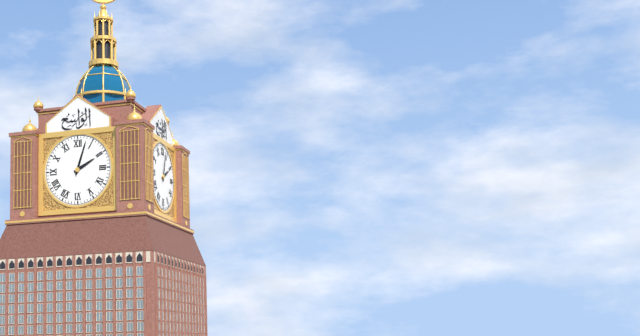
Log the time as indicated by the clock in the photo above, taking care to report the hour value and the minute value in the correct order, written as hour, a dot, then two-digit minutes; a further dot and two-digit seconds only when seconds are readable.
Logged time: 2.03
